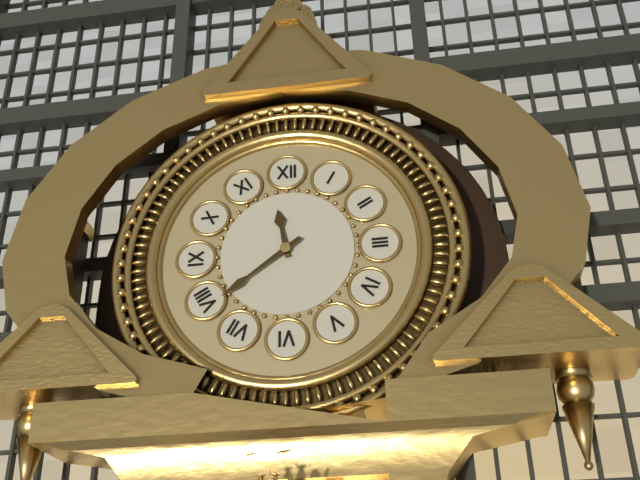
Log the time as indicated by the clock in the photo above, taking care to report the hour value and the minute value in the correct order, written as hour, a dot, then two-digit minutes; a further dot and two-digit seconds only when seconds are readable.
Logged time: 11.39
